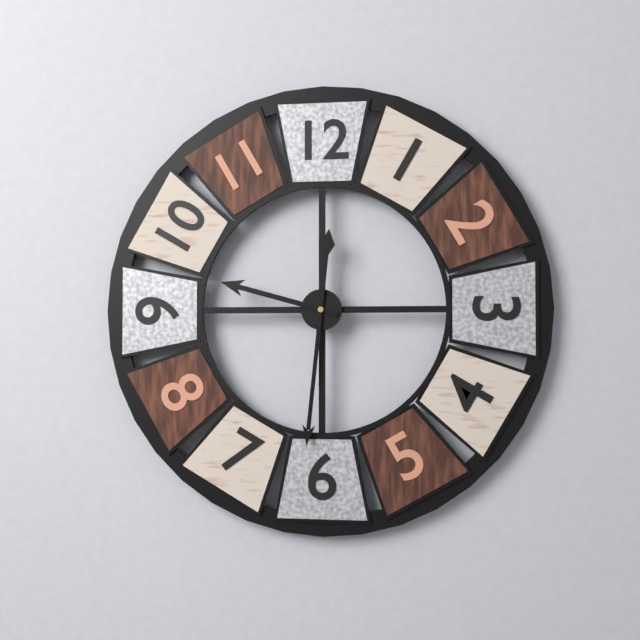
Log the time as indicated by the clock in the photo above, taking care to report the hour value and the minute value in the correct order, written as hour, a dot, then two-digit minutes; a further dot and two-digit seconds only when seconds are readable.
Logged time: 9.31
